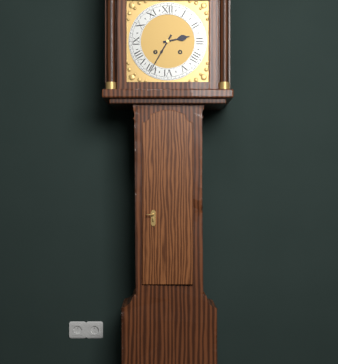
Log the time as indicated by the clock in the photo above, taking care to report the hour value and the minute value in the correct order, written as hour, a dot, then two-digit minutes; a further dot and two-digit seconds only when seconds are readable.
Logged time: 2.35
